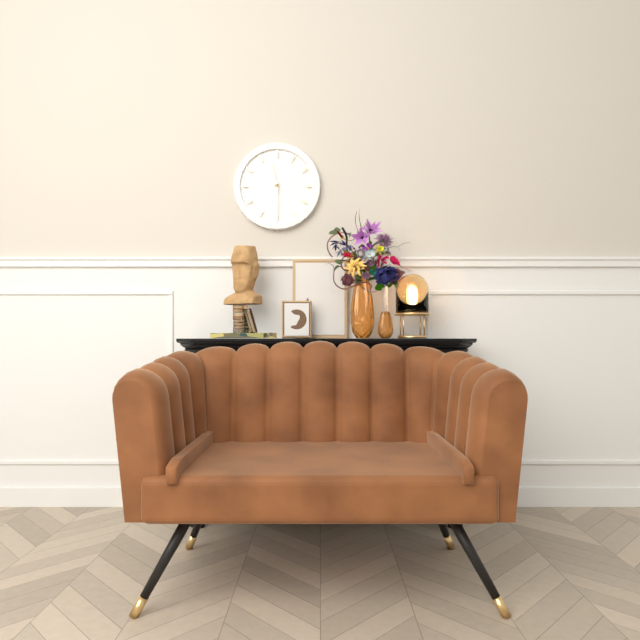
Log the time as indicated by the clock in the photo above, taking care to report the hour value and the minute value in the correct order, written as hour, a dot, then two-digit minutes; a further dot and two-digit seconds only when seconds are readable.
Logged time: 11.30
